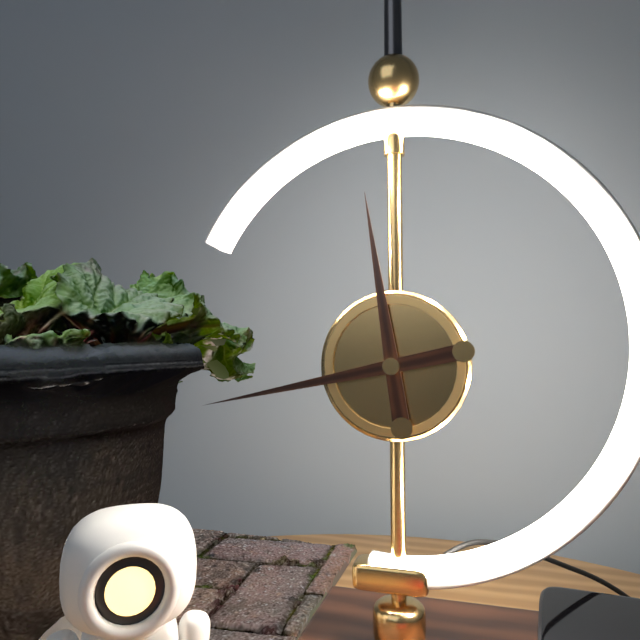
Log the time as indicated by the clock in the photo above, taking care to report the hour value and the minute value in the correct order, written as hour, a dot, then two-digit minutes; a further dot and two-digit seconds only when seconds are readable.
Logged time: 11.43
